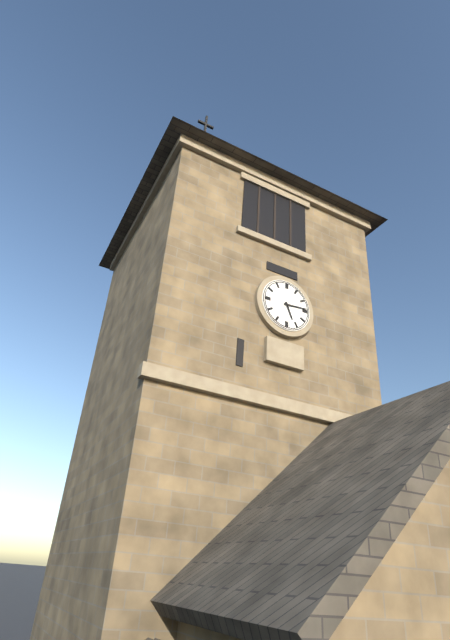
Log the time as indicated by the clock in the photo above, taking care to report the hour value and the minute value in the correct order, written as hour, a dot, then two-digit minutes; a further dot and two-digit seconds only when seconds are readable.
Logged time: 5.14
